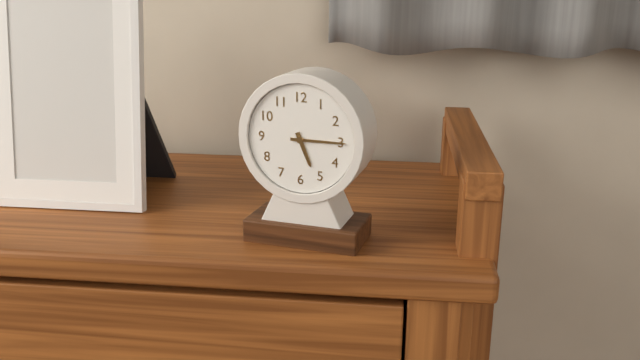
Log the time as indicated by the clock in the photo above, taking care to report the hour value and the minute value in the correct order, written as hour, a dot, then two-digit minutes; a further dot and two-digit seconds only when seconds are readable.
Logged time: 5.15
